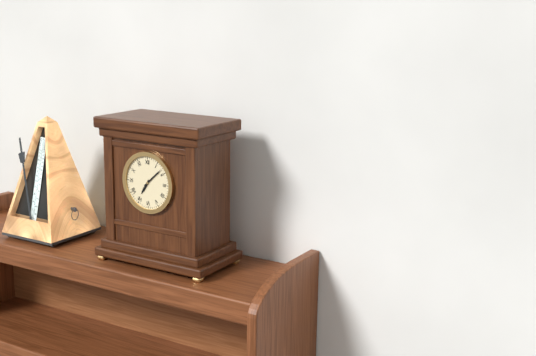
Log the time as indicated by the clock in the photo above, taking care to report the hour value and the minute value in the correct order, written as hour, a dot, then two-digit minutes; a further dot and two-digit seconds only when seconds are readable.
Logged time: 7.08
